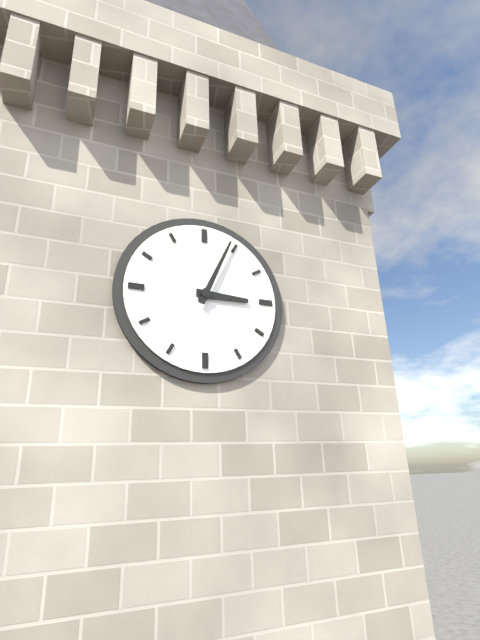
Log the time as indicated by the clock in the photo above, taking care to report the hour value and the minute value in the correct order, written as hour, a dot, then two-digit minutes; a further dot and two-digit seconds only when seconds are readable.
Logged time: 3.04
